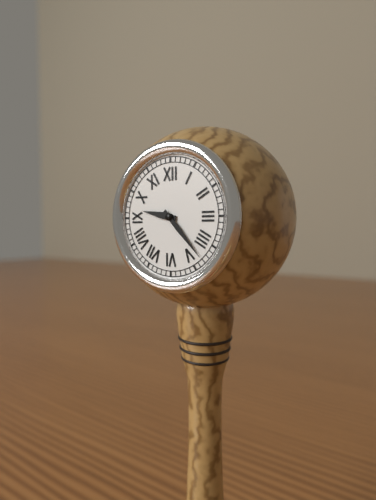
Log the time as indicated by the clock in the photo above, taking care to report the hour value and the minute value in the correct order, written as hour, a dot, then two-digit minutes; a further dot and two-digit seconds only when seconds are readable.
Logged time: 9.23
